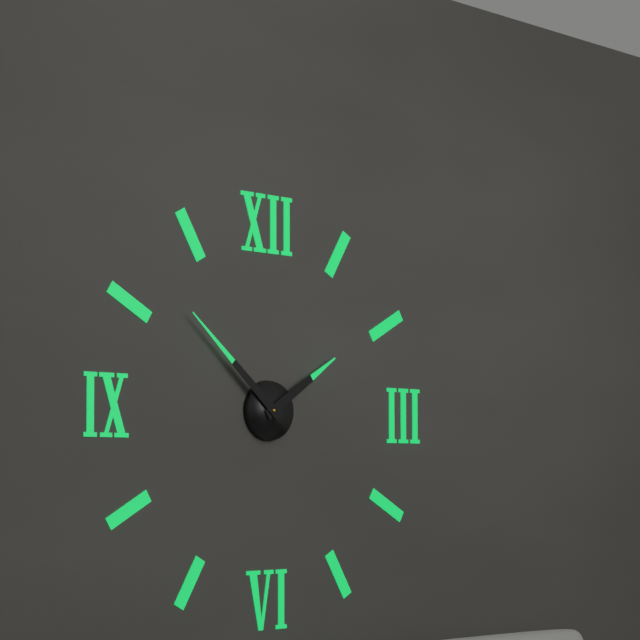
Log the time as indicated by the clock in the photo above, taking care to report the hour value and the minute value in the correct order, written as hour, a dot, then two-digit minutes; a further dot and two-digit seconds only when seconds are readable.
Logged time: 1.52
